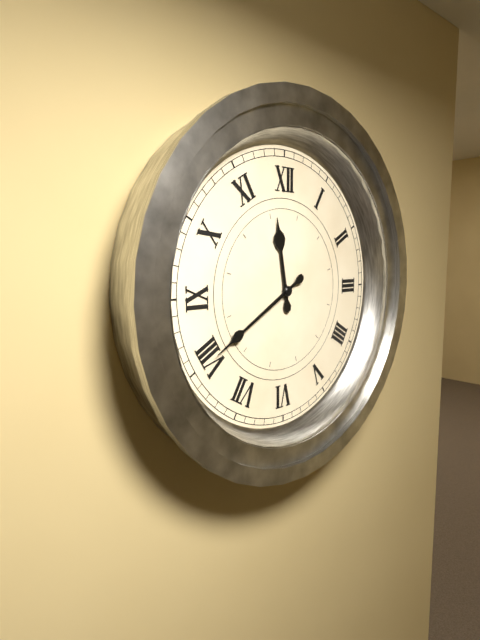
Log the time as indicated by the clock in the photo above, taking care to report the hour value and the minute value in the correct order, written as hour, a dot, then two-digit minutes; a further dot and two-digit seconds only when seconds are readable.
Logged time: 11.40
